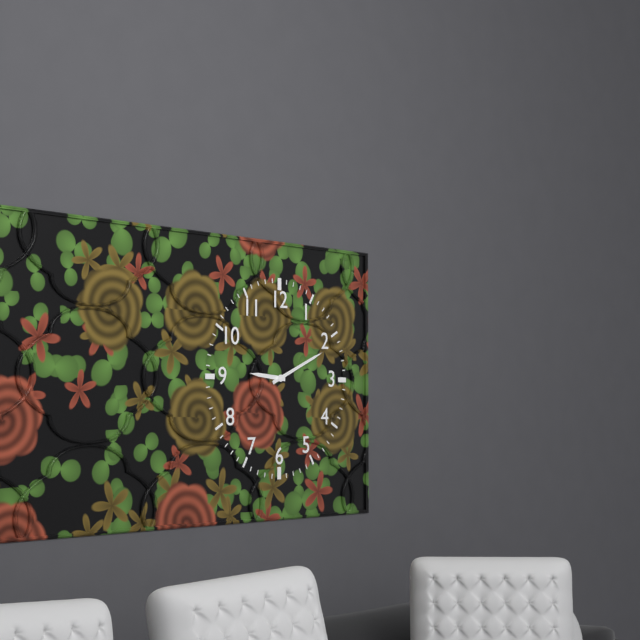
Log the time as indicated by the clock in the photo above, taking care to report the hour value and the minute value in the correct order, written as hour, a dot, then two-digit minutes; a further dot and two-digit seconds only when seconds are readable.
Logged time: 9.11
